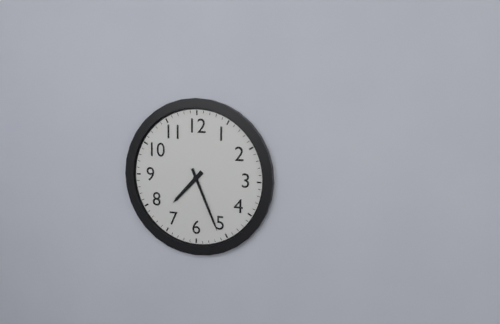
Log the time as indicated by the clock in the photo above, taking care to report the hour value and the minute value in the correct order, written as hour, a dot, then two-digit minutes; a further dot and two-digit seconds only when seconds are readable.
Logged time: 7.26
